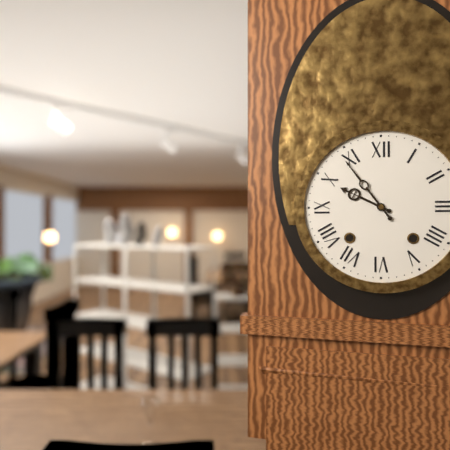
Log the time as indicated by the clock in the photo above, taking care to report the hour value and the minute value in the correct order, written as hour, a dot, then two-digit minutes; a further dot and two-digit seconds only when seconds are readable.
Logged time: 9.54
